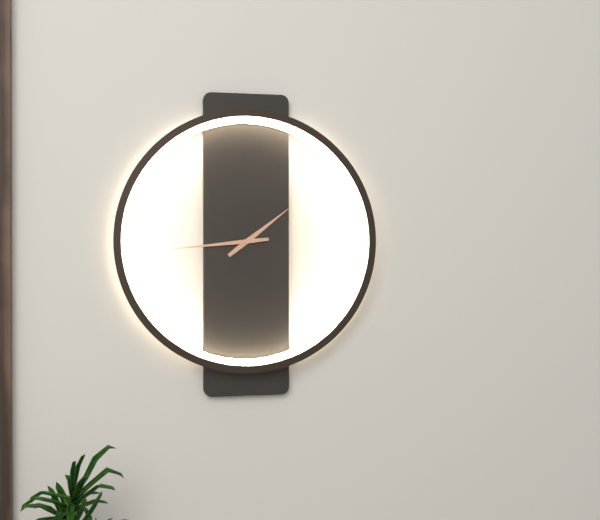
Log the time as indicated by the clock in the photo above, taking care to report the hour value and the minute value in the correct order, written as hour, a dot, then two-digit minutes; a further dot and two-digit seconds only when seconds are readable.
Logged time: 1.44
